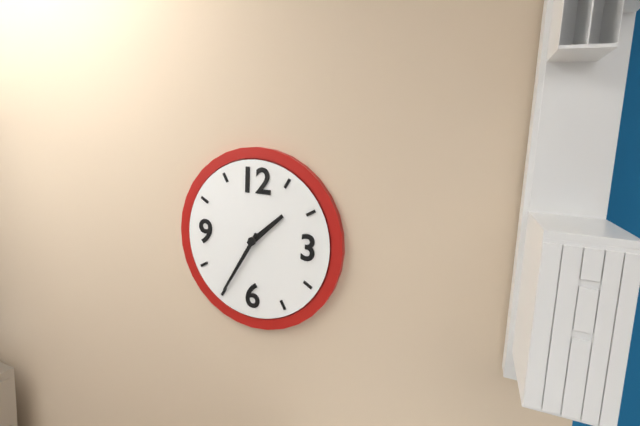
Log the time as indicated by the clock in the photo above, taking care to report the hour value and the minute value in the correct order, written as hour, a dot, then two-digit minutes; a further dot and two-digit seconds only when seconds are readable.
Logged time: 1.35
